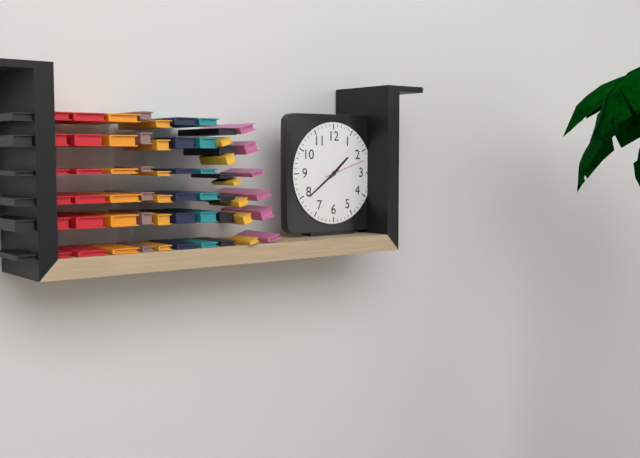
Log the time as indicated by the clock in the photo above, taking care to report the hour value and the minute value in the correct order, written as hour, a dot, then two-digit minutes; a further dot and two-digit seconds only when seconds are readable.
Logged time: 1.39
